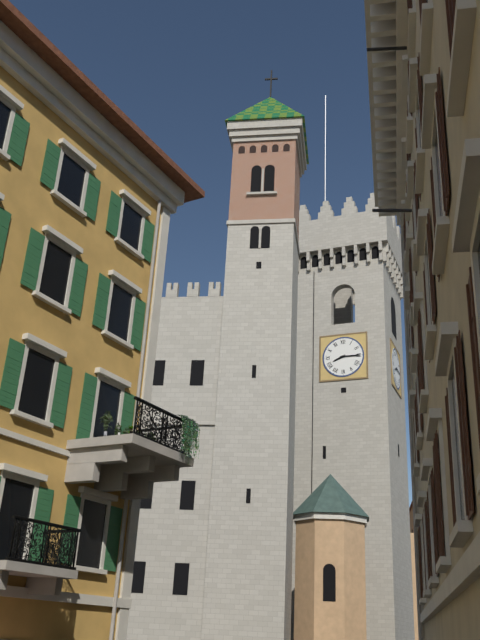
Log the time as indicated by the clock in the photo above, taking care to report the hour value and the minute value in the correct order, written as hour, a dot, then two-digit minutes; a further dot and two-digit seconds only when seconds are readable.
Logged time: 8.15
